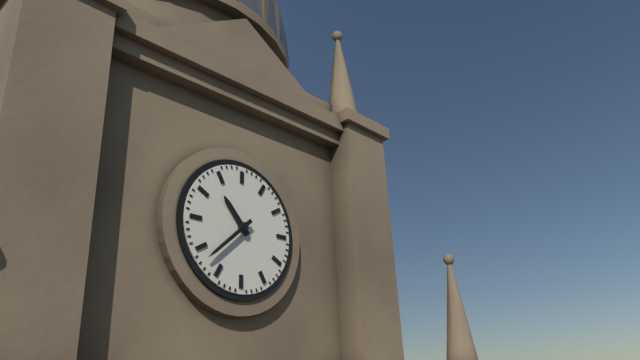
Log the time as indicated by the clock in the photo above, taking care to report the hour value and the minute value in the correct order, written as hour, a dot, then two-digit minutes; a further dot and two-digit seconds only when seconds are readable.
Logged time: 10.38
